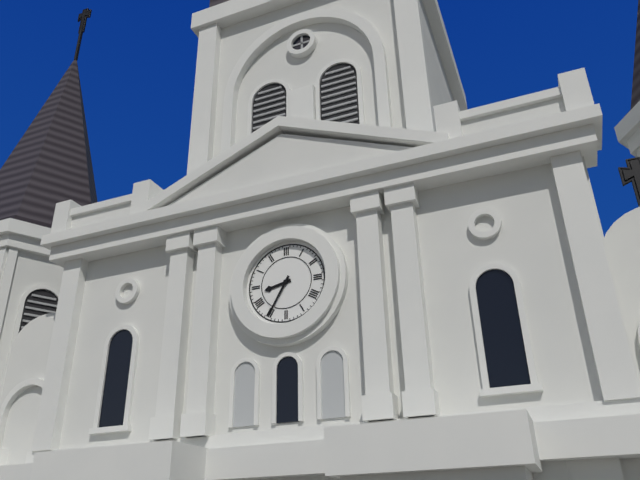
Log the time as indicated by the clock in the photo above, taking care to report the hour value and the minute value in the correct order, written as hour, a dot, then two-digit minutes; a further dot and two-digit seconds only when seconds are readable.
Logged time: 8.35
